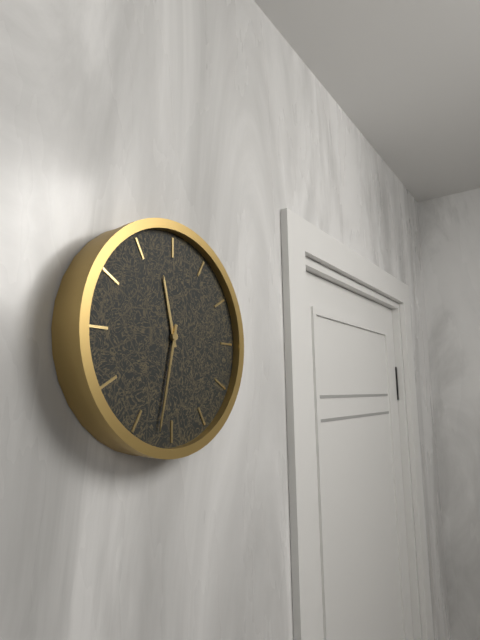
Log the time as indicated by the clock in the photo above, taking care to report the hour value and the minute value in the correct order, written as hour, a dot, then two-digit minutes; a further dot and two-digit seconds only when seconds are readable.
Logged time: 11.32
